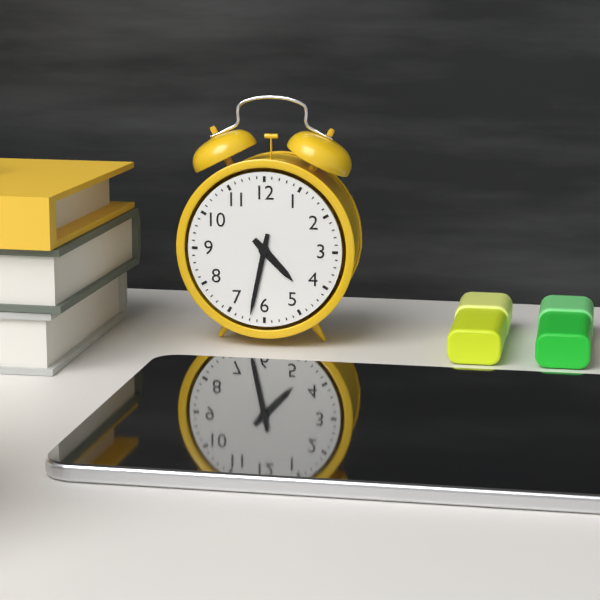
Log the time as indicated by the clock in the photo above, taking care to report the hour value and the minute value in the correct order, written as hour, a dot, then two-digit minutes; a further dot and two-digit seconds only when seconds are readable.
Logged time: 4.32
